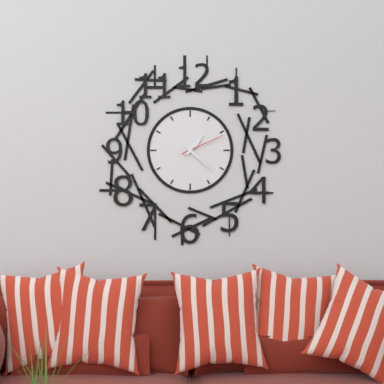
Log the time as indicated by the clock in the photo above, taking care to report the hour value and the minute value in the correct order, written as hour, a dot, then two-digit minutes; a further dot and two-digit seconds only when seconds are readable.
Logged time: 1.22
